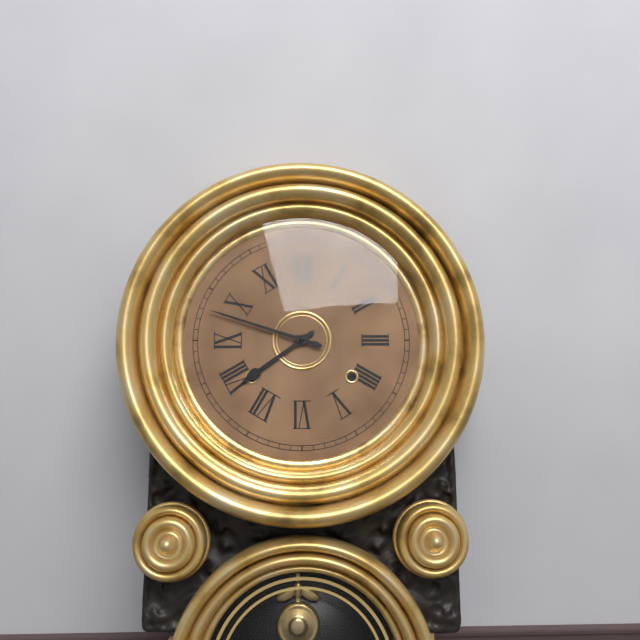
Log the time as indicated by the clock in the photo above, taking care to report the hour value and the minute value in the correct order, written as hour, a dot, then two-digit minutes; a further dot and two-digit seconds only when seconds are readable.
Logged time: 7.48
